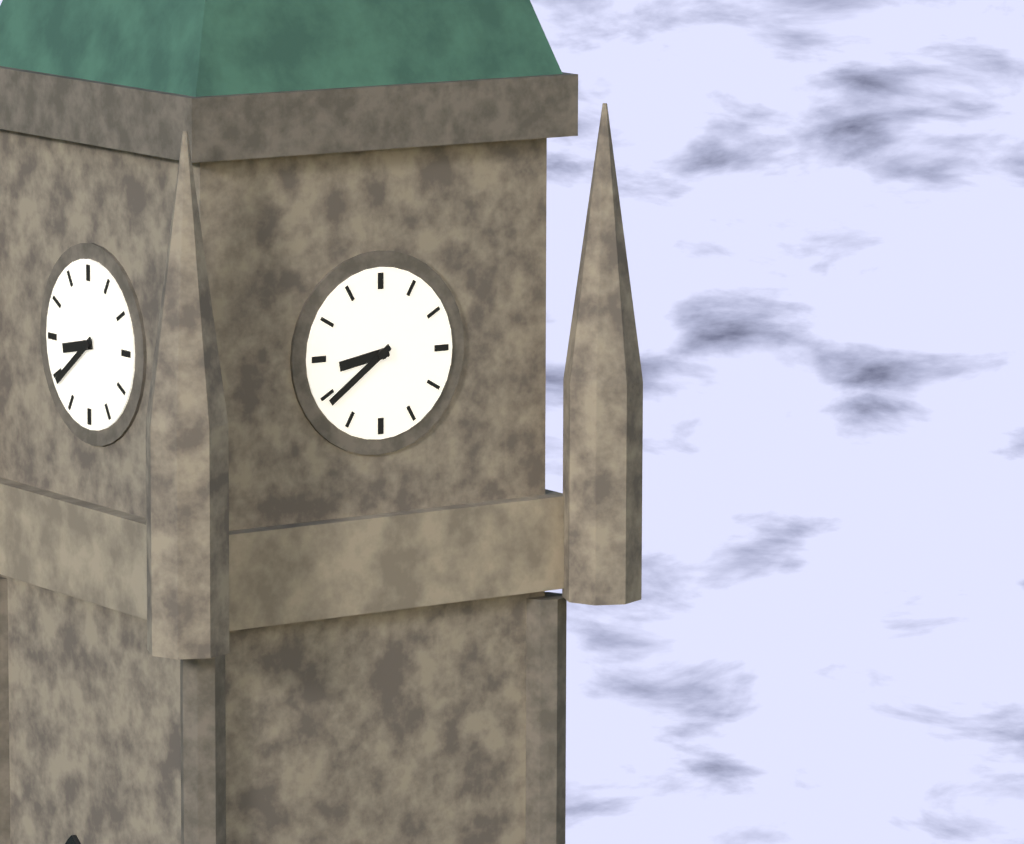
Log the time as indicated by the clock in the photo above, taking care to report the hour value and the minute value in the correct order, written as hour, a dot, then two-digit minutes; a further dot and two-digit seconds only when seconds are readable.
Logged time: 8.39
